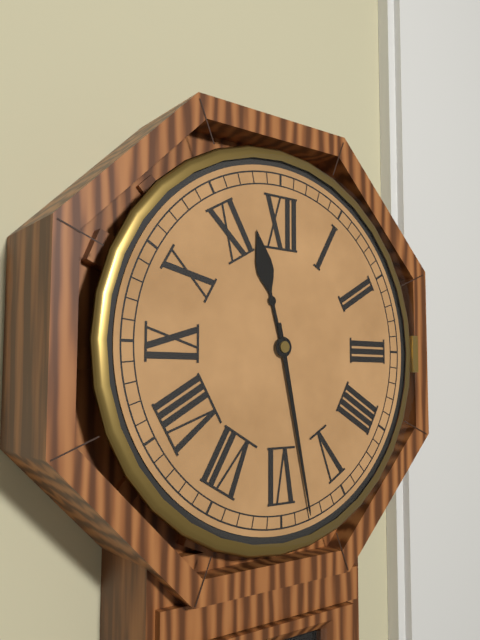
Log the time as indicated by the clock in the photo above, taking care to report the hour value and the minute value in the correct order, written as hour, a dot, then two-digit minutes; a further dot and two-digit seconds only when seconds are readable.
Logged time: 11.28
